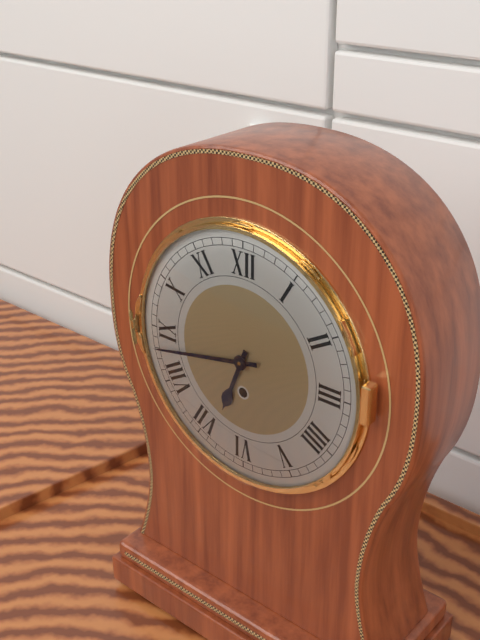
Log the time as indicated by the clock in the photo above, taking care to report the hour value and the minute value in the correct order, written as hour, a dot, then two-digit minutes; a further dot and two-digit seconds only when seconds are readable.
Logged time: 6.43
